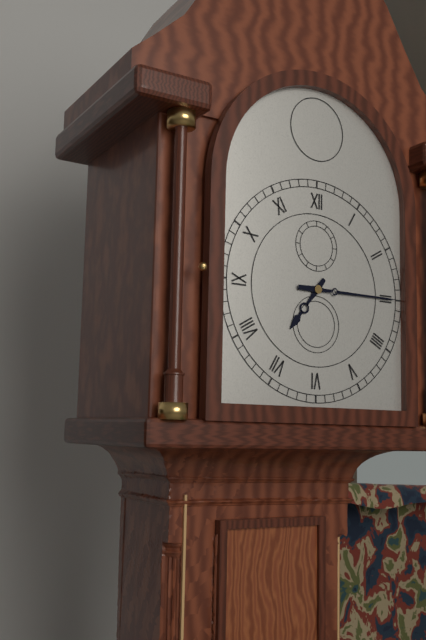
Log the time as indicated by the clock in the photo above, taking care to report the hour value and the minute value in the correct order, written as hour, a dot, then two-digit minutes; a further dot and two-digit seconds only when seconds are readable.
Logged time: 7.15
